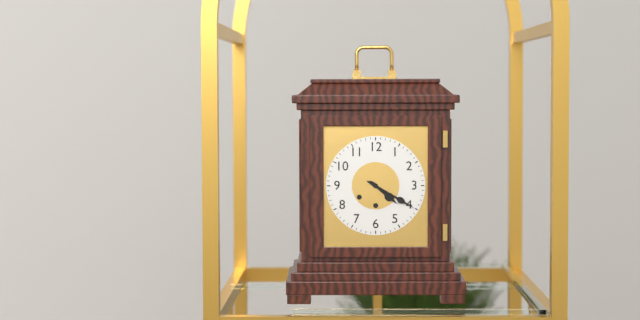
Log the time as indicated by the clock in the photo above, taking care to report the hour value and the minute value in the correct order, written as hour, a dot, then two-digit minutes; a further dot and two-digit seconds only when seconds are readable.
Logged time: 4.20
